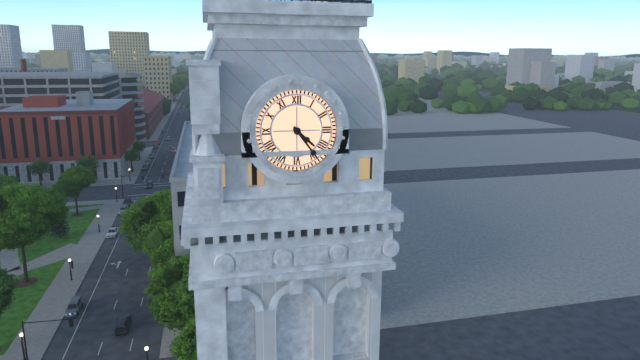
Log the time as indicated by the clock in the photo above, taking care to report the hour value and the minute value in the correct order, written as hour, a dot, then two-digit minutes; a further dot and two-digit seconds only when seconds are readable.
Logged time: 4.24
